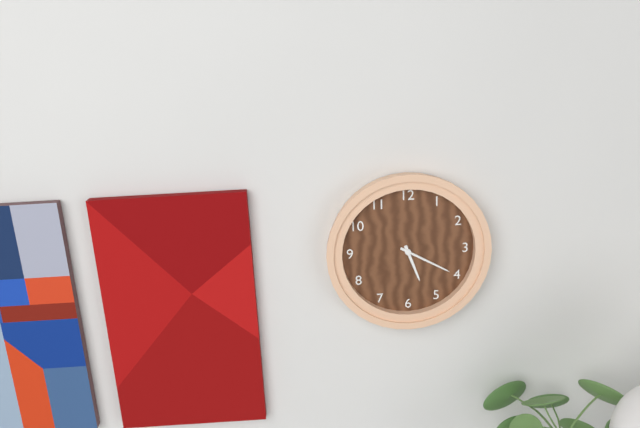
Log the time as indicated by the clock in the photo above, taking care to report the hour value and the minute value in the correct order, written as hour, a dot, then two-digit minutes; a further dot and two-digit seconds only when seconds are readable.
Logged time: 5.20
